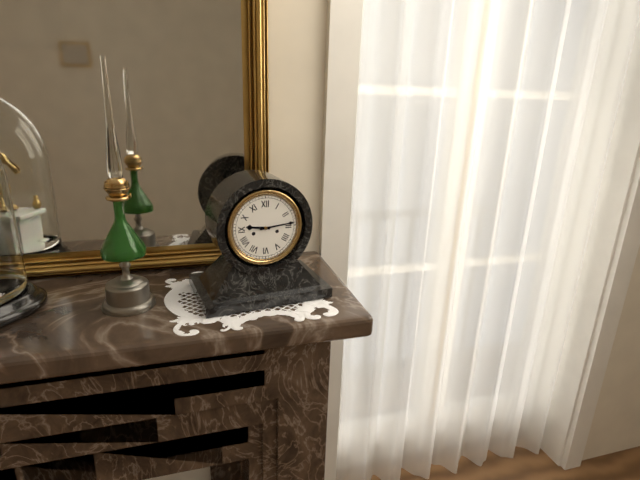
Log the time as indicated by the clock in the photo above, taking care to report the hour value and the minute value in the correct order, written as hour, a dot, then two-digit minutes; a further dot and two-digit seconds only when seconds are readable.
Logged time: 9.14
